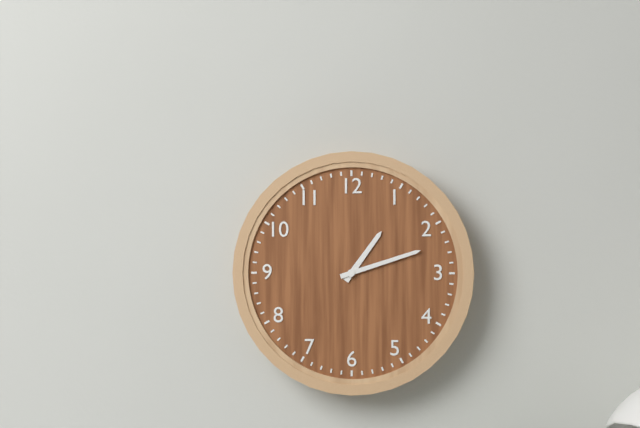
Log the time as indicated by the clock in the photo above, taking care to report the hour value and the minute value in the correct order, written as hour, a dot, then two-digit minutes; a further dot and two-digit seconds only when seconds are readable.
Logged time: 1.12
